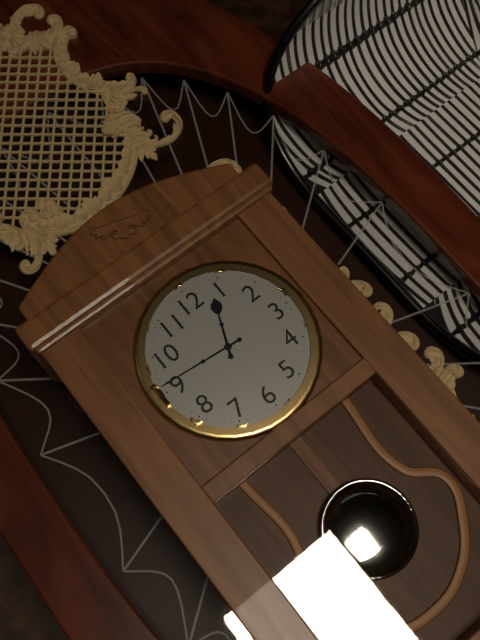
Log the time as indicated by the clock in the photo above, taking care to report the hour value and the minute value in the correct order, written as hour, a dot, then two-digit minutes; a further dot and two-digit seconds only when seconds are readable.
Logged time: 12.46
